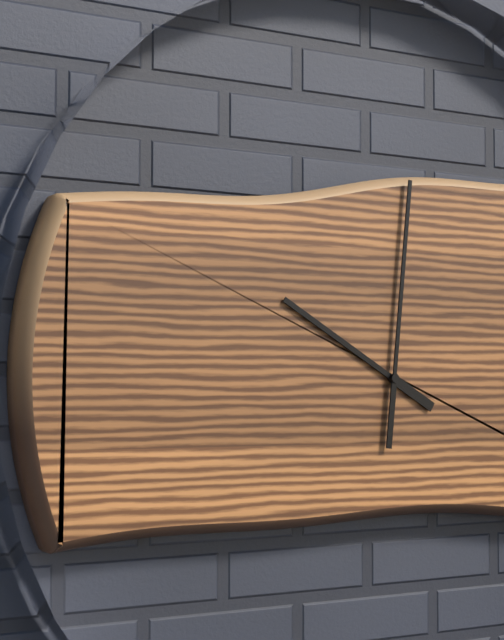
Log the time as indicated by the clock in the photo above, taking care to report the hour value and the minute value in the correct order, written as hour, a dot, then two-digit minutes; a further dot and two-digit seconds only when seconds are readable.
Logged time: 10.01
